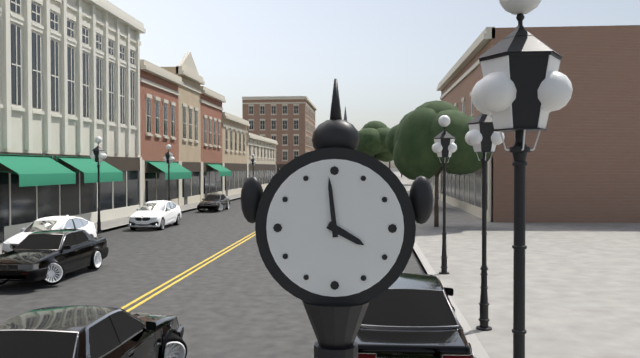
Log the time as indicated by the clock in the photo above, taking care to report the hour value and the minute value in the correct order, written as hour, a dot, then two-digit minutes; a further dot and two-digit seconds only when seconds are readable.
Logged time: 3.59
